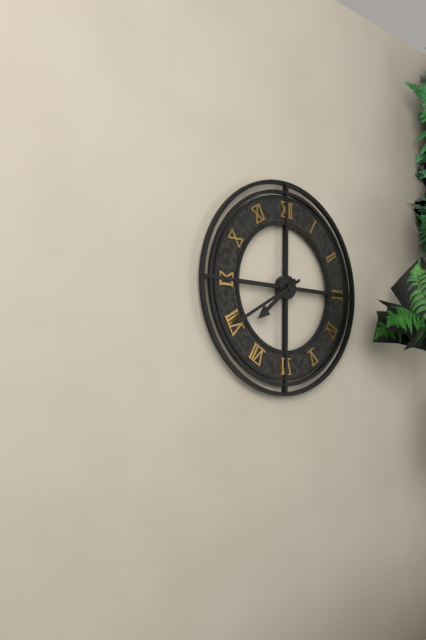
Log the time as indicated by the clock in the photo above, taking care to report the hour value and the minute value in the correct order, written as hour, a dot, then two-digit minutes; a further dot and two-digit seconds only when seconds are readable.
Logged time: 7.40
